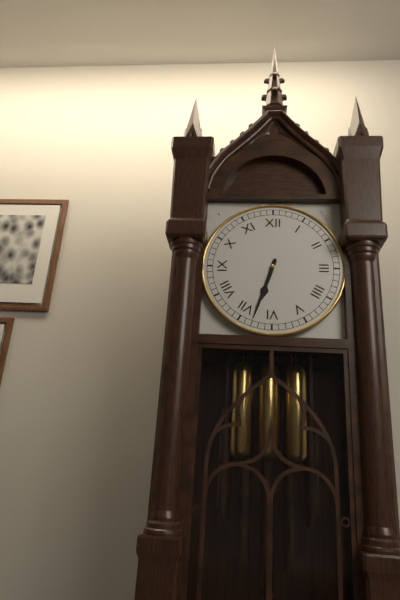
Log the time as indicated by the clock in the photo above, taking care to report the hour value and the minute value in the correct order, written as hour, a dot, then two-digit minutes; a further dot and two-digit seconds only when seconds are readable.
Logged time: 6.33
